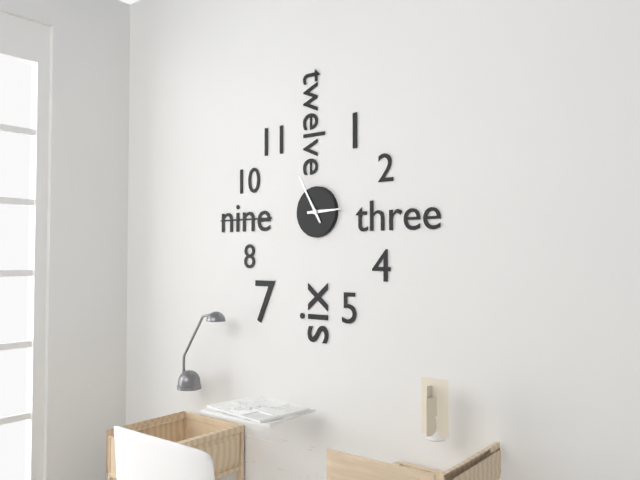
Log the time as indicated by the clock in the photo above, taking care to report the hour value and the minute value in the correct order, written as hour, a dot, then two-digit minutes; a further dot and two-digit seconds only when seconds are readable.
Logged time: 2.55
